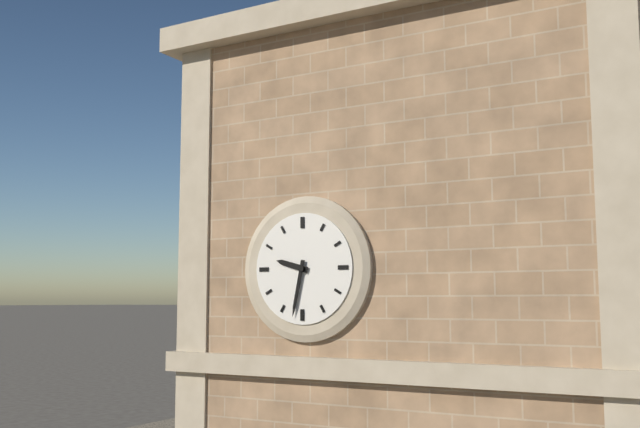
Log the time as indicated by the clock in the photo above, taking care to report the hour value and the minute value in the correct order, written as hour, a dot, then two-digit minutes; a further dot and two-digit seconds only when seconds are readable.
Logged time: 9.32
